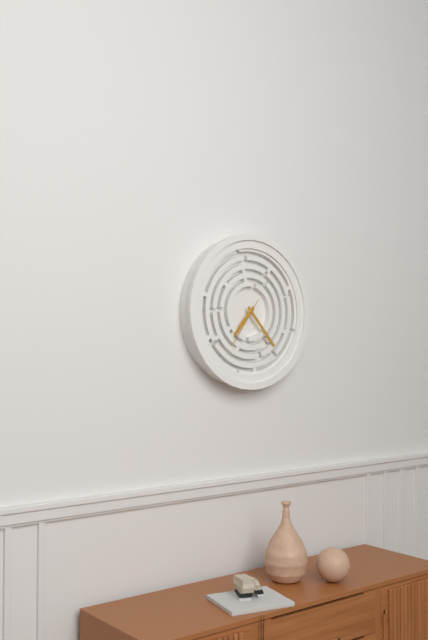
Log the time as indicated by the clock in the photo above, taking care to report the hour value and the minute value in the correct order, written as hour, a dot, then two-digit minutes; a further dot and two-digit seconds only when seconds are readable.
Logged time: 7.23
